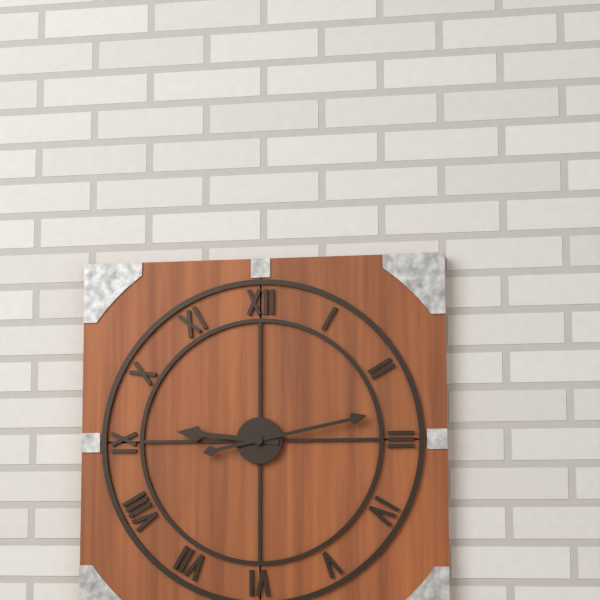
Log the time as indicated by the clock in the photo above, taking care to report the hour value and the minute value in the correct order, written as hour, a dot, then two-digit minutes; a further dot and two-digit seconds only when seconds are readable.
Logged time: 9.13
